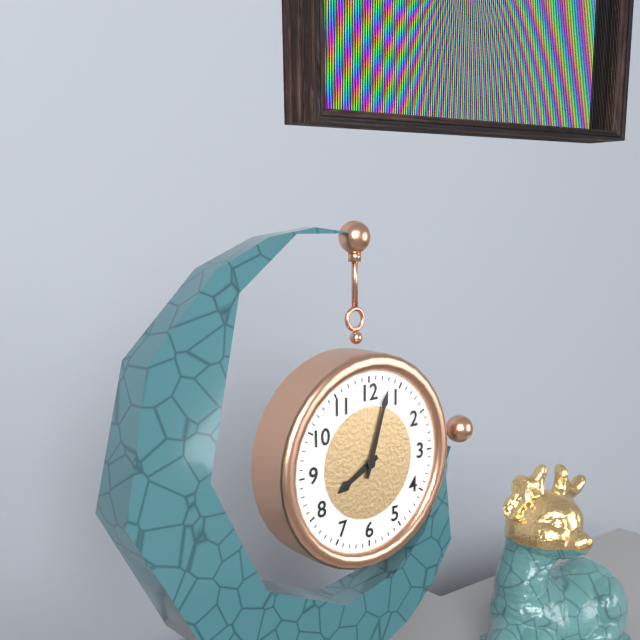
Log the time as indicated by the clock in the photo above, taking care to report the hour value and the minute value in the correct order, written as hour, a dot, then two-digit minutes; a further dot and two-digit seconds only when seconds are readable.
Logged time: 8.03
